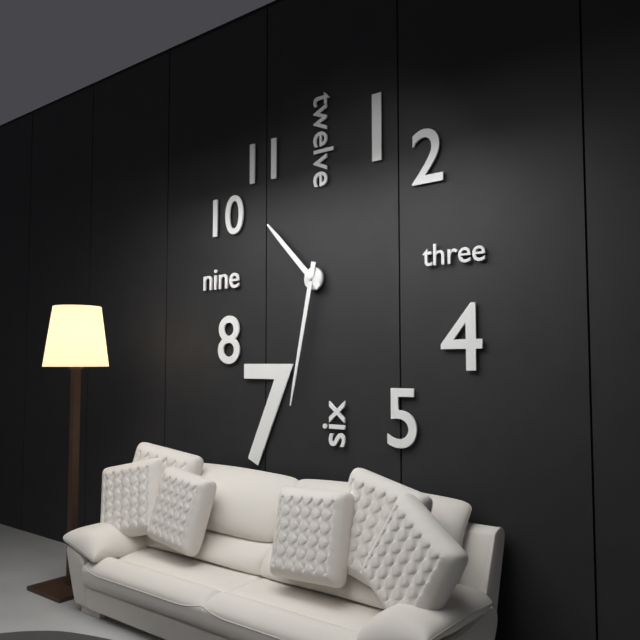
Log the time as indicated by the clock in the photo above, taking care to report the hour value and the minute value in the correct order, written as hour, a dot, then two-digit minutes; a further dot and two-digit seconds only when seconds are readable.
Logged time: 10.32
